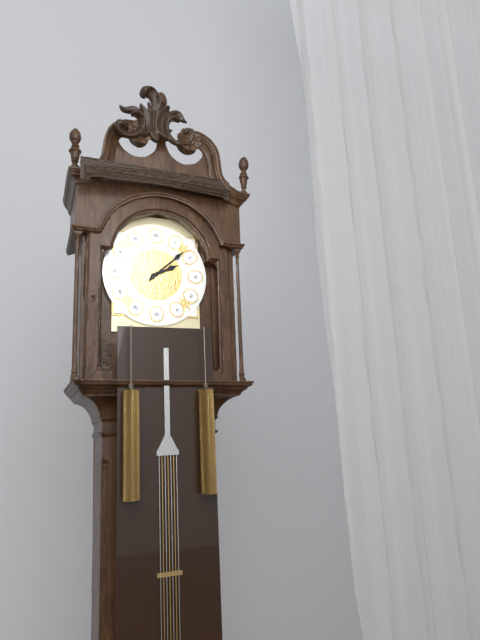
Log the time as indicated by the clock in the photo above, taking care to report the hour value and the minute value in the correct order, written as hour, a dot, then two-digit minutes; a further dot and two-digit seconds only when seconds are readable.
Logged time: 2.08
